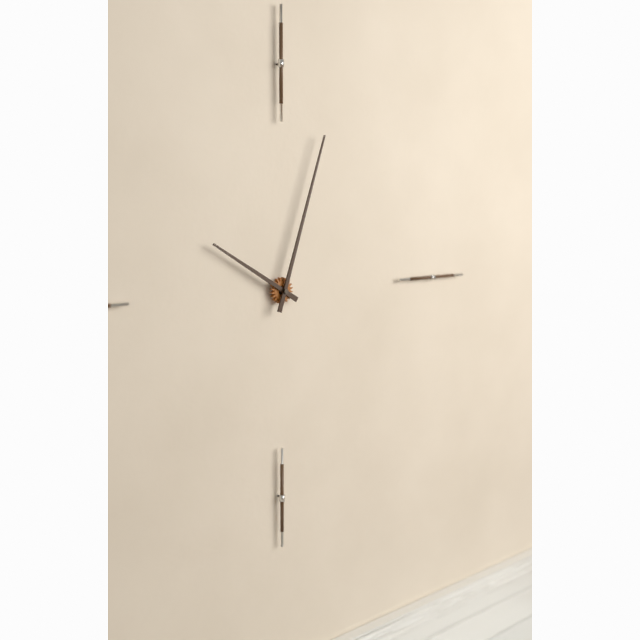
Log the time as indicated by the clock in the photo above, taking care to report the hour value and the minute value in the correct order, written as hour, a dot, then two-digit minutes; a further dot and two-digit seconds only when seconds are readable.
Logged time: 10.03
